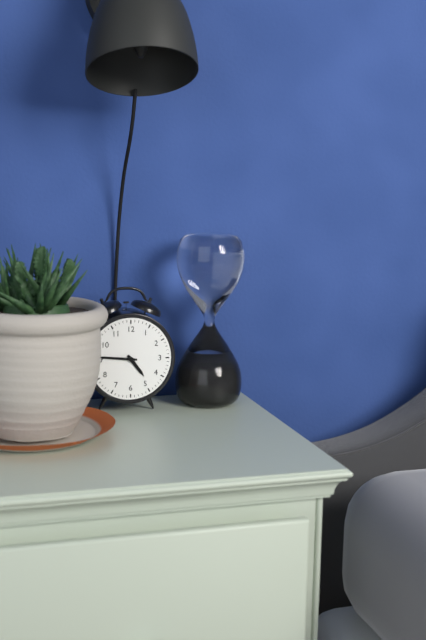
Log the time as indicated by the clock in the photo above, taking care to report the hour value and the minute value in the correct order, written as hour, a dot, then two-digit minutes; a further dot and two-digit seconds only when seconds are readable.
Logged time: 4.46
